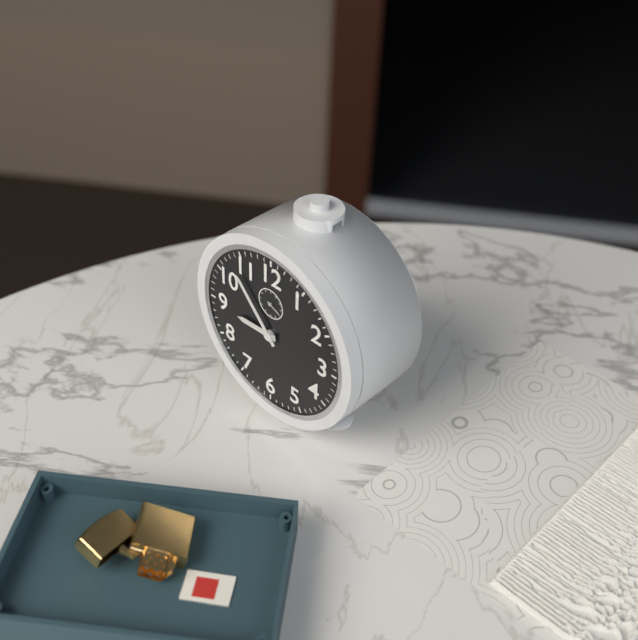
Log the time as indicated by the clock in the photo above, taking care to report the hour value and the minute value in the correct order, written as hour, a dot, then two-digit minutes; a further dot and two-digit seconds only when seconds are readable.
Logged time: 8.53
